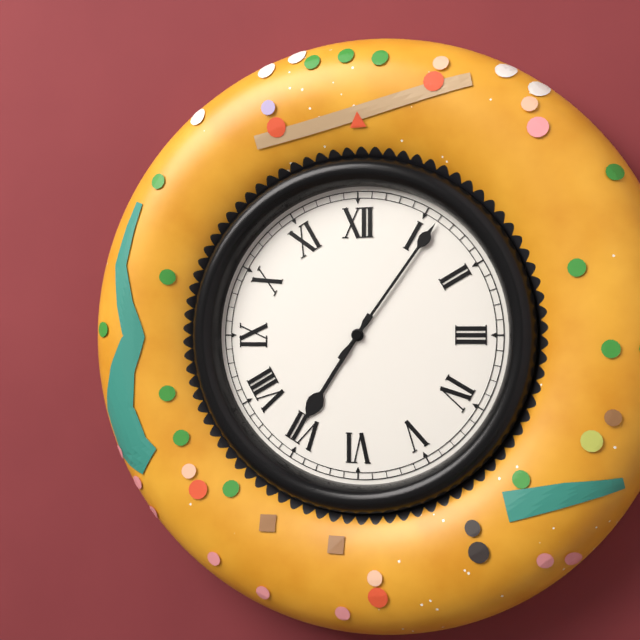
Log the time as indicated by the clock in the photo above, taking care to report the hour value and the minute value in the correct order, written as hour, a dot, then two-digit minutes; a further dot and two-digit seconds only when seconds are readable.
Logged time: 7.06
